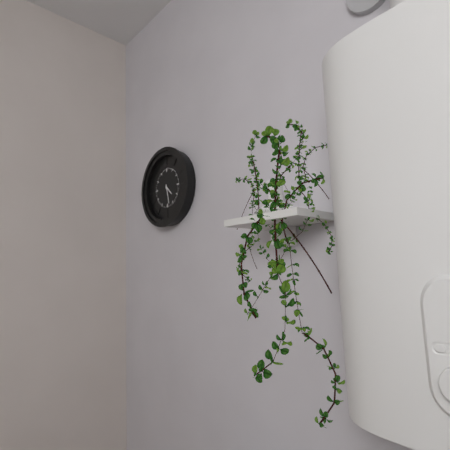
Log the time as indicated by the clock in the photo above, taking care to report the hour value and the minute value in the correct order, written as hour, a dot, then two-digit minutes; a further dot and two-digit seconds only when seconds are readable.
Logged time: 4.28
